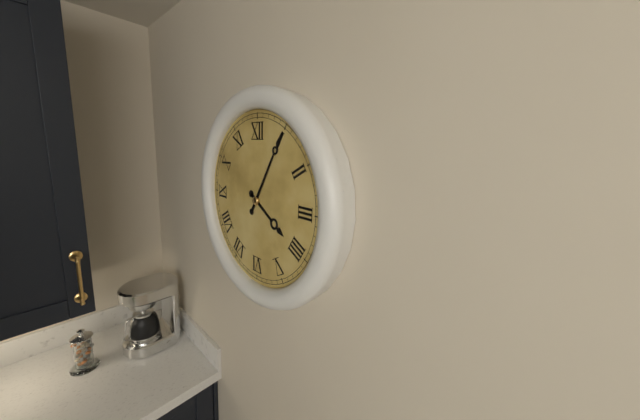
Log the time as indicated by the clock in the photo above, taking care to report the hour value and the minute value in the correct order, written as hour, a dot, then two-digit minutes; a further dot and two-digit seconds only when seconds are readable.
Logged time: 4.05
